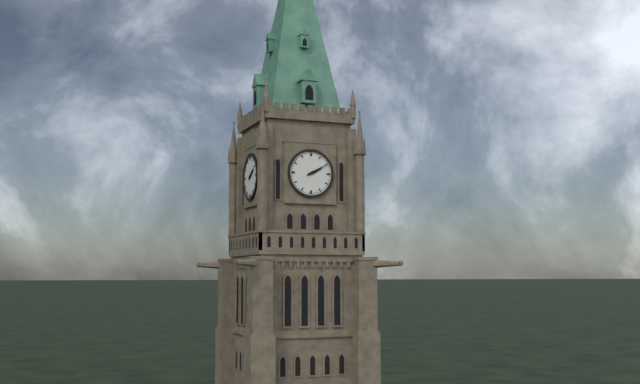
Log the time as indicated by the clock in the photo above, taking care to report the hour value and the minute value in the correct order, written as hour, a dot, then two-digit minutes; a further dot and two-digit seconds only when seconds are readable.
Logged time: 2.10
